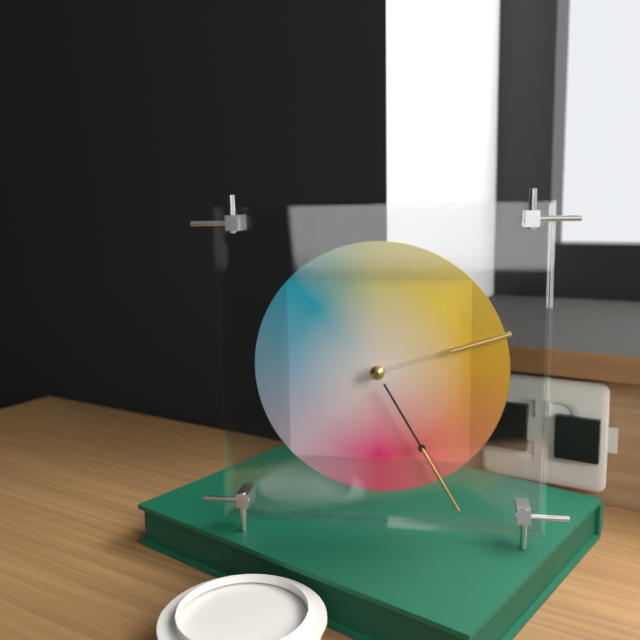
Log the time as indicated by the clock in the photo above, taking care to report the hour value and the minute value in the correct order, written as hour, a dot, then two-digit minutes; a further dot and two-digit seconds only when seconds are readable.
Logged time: 2.25
